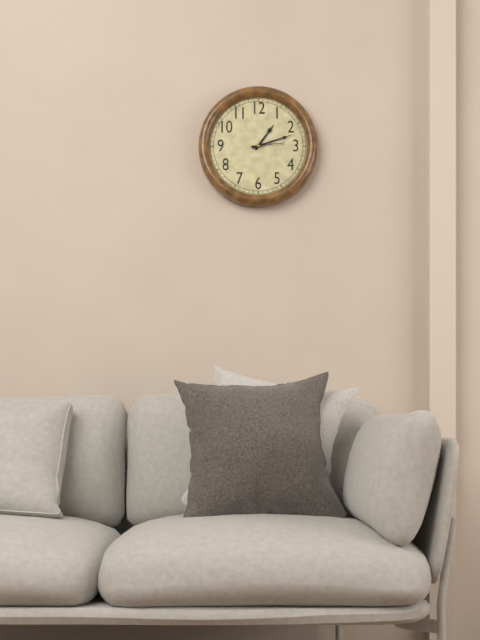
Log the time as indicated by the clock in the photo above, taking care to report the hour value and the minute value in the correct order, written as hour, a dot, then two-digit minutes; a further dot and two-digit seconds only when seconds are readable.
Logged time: 1.12
